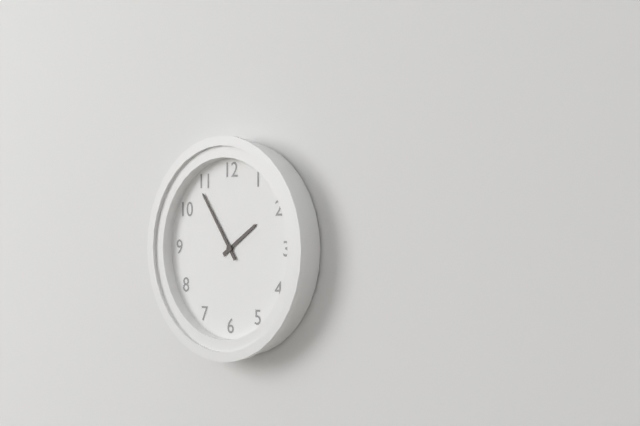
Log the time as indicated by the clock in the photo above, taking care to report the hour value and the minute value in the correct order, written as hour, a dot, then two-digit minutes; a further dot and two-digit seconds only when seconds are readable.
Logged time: 1.54
